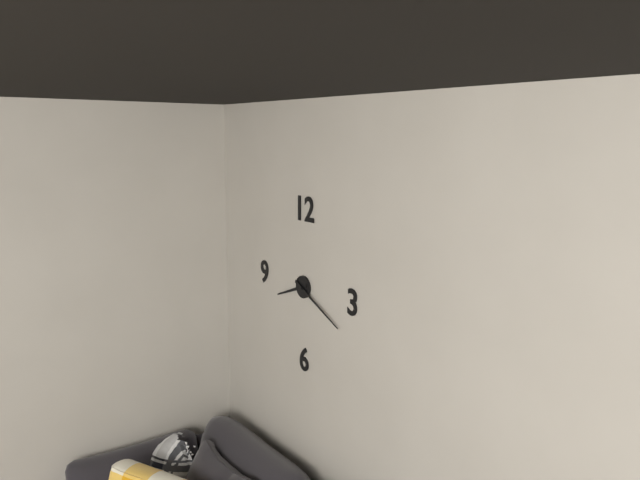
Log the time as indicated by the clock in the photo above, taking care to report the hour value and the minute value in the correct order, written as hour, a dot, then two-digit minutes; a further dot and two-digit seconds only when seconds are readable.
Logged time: 8.19
